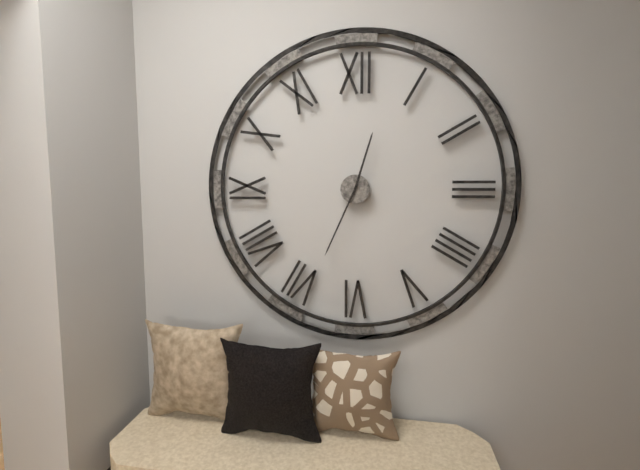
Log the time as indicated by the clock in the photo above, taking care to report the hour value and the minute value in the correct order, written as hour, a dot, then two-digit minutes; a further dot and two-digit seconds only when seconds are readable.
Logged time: 12.34
